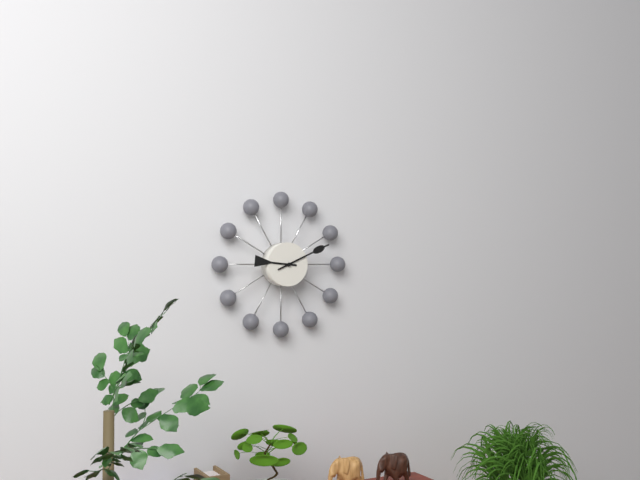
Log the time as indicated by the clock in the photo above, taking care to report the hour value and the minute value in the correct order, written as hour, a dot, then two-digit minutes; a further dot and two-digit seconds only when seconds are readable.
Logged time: 9.11
